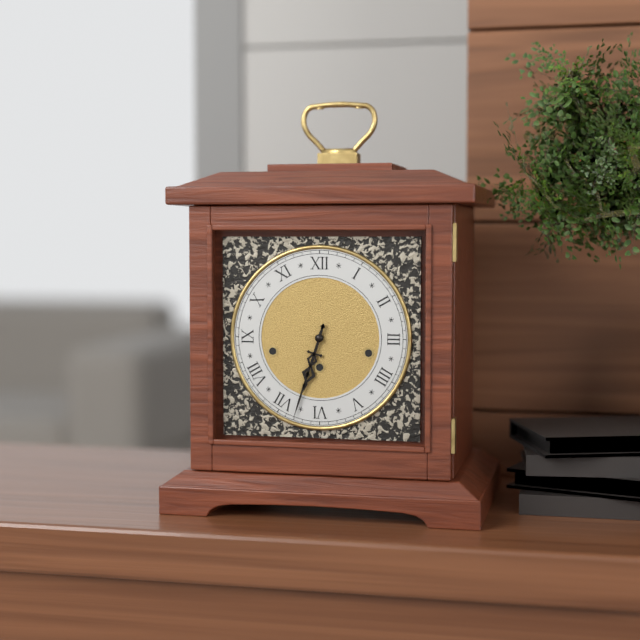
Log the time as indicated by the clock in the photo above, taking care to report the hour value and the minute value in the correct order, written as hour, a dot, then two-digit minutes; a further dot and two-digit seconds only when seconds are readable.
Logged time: 6.33
